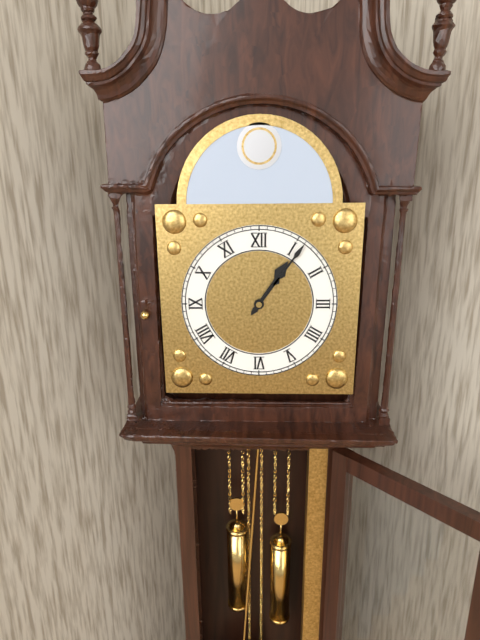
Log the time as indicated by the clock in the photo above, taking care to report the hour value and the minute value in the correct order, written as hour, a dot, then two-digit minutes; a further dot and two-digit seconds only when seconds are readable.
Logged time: 1.06
